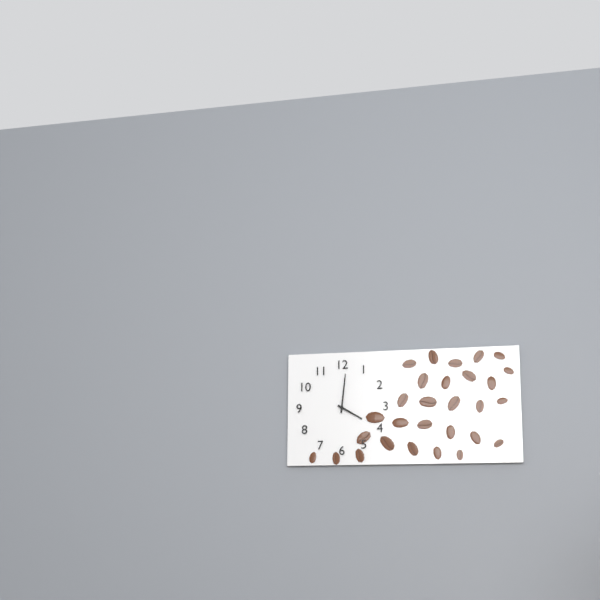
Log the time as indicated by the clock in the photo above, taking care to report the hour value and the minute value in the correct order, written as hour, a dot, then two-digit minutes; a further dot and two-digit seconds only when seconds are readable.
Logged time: 4.01
